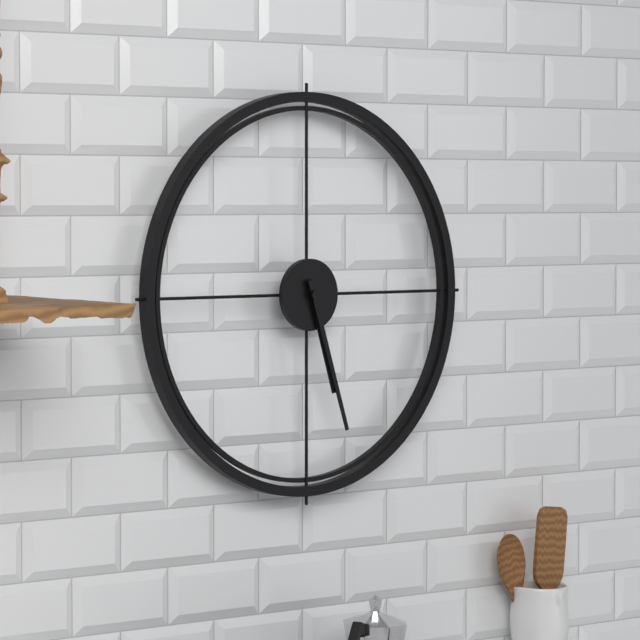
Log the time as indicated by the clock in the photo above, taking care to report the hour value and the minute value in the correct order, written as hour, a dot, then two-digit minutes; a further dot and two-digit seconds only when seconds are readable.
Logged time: 5.27
